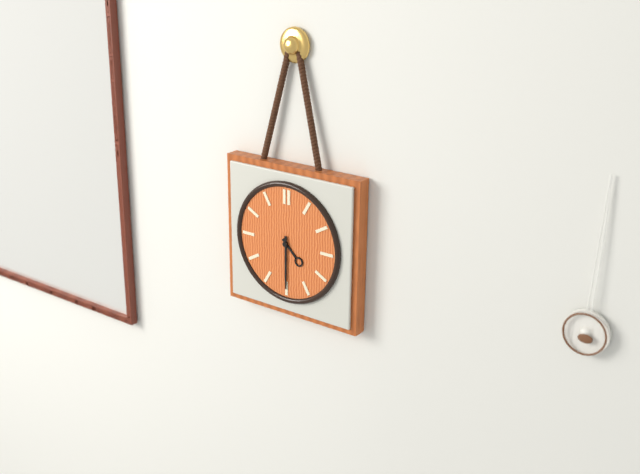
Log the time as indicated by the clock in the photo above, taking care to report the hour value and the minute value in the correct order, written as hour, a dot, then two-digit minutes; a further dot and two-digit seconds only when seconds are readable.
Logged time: 4.30
